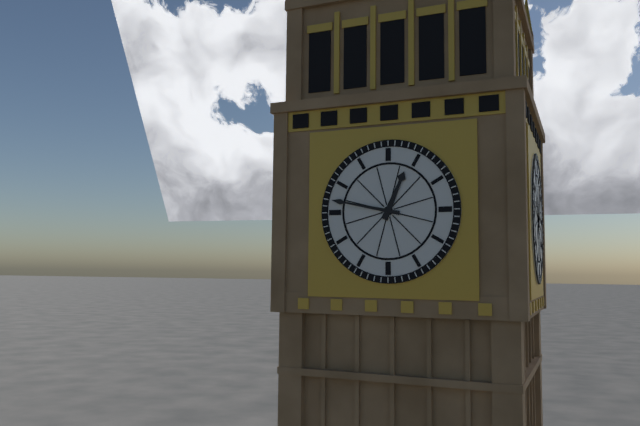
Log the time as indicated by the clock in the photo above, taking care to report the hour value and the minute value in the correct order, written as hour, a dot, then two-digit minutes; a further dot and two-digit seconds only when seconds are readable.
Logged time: 12.47
